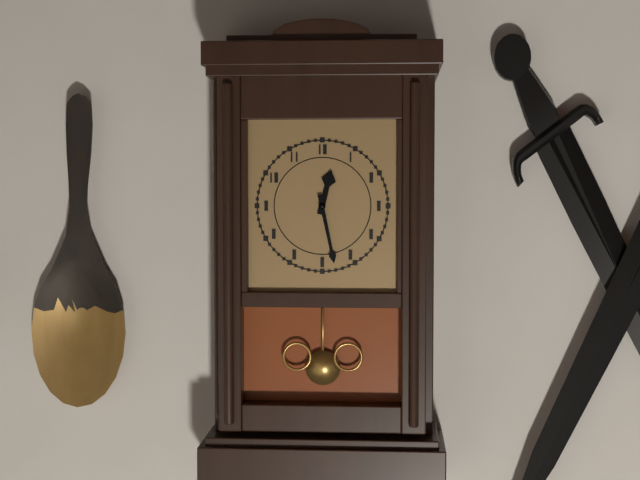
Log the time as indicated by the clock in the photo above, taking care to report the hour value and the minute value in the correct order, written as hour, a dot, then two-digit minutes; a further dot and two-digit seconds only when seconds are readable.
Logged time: 12.28
